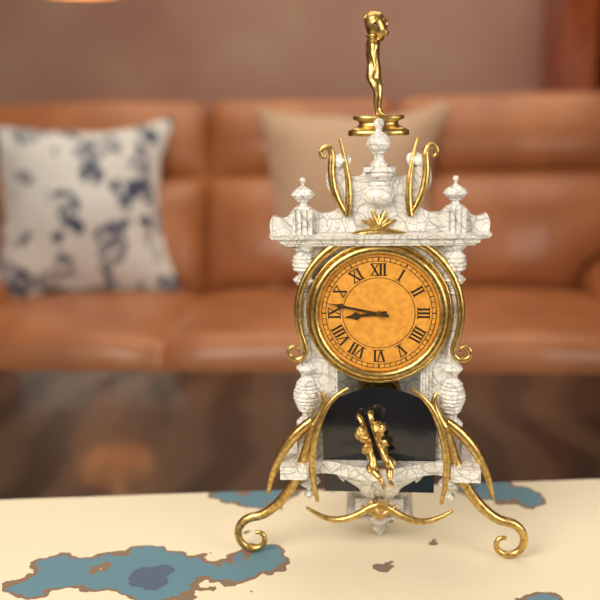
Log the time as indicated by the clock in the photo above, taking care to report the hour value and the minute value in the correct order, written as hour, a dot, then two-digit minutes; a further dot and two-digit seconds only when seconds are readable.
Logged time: 8.47
